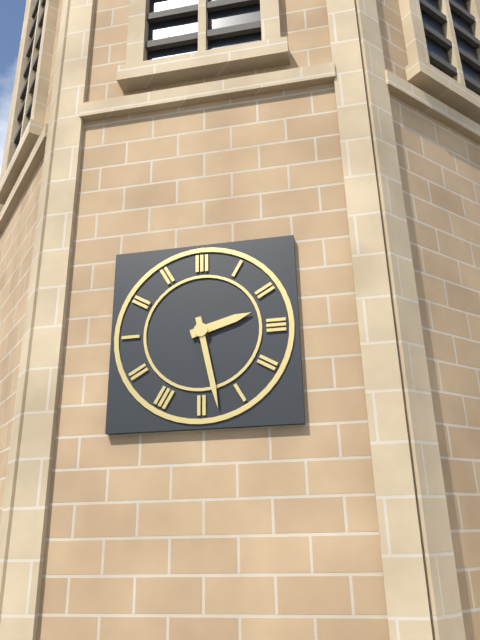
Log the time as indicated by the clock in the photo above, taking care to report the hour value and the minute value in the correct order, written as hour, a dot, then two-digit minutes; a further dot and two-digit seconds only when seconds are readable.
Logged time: 2.28
